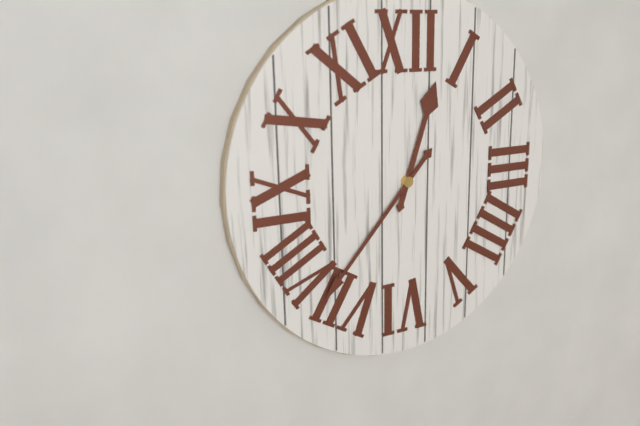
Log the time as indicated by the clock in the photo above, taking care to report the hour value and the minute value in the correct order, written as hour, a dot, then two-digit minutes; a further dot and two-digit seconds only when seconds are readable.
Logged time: 12.37
